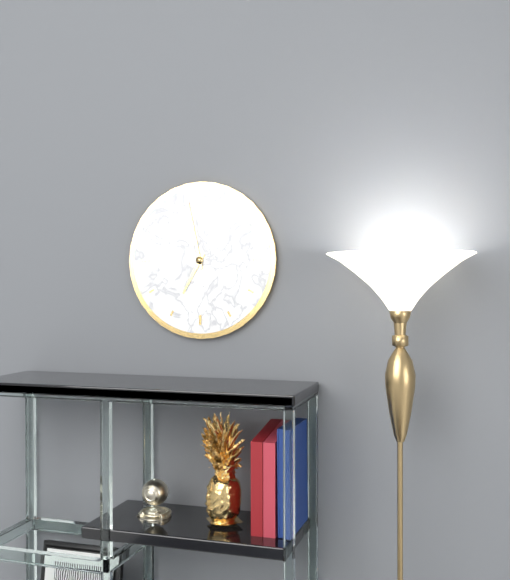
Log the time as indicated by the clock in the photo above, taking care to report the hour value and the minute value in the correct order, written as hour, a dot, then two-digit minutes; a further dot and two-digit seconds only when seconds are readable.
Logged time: 6.58
